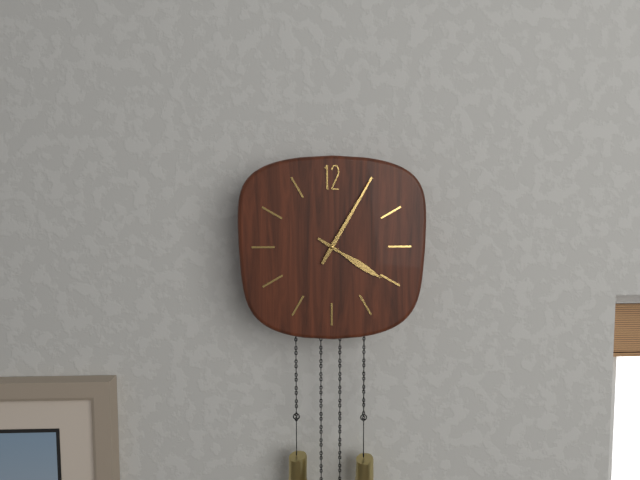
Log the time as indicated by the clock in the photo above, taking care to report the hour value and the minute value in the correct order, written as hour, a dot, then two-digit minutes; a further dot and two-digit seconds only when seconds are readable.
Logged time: 4.05
